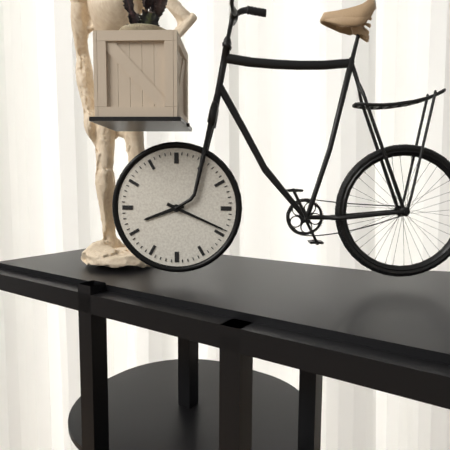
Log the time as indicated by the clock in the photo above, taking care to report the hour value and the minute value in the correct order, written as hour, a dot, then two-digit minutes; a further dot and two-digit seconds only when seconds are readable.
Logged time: 8.19
